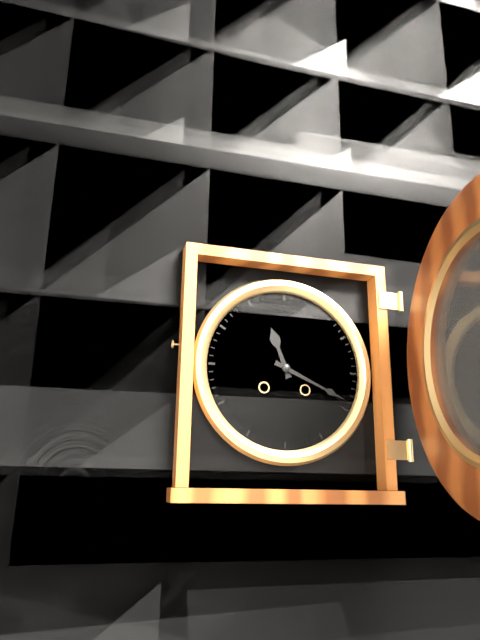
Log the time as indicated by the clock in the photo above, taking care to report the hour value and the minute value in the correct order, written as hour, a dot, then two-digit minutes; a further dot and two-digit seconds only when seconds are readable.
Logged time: 11.19
